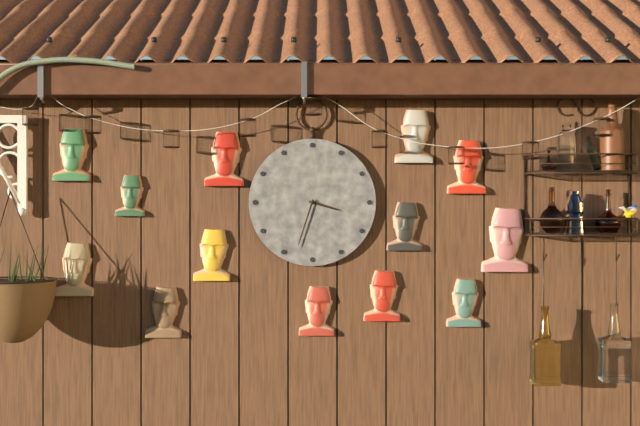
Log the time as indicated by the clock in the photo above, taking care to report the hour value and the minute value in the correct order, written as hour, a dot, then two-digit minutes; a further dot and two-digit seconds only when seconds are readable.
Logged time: 3.33
